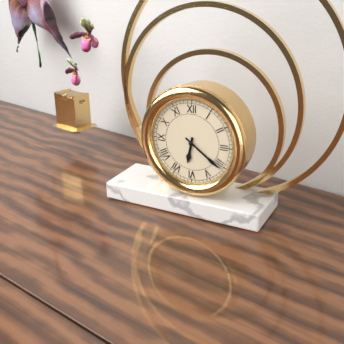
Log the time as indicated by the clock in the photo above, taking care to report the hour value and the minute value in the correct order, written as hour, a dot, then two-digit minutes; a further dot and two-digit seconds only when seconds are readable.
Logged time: 6.21
